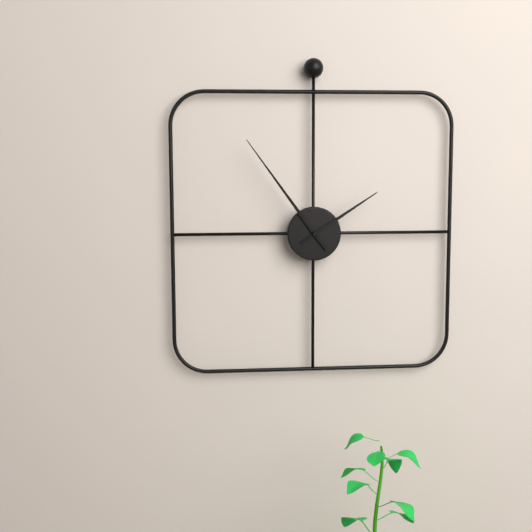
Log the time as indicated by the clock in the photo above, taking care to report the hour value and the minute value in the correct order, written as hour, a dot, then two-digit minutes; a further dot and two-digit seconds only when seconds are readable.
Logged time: 1.54
